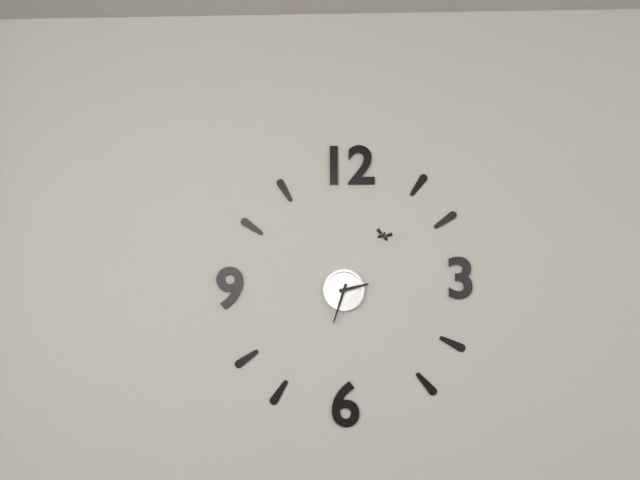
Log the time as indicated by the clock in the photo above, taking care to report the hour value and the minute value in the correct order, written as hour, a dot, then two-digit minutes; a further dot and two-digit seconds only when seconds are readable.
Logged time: 2.33
